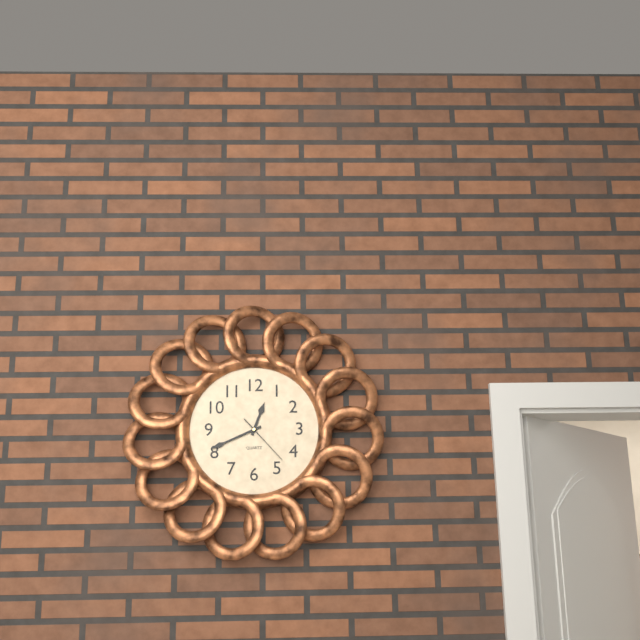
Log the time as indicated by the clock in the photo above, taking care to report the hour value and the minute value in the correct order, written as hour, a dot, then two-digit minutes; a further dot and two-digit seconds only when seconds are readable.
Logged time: 12.41
